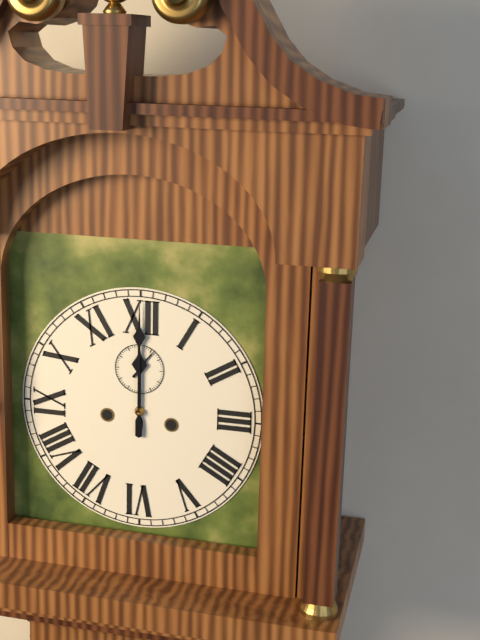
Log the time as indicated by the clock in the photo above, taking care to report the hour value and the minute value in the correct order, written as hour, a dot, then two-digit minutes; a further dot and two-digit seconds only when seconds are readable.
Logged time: 12.00
